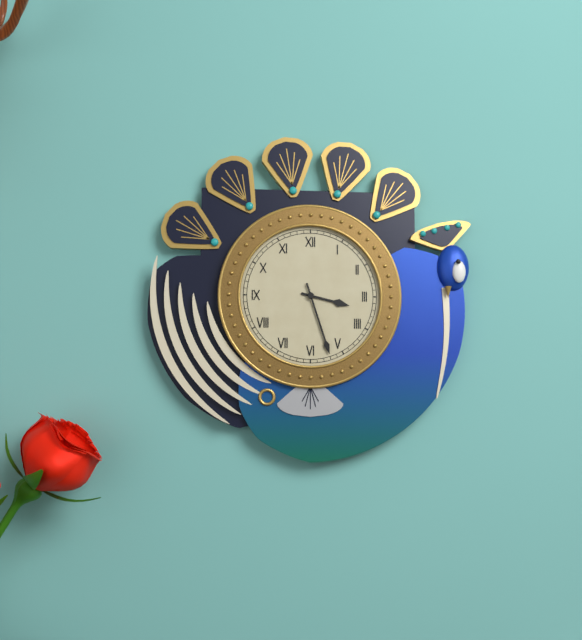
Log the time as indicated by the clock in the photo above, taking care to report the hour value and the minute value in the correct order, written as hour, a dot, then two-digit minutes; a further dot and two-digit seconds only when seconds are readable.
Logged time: 3.27
